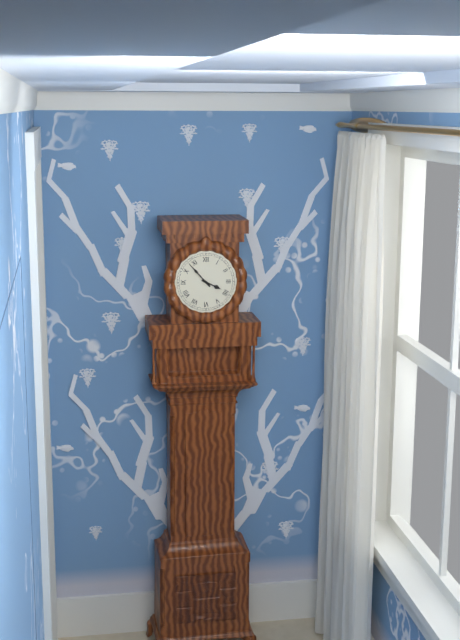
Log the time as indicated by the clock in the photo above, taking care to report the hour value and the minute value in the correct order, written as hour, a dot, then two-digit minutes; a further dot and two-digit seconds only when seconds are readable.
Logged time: 3.53
